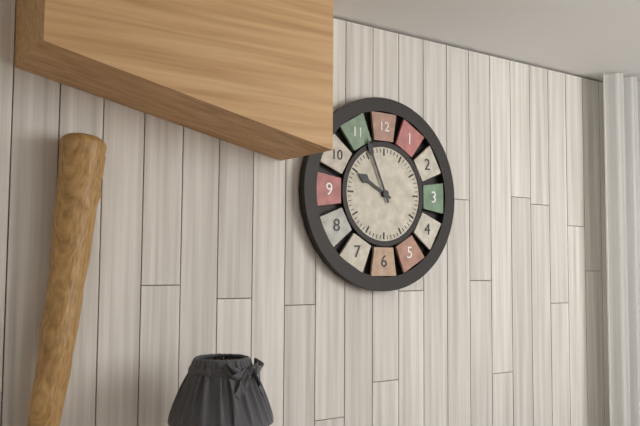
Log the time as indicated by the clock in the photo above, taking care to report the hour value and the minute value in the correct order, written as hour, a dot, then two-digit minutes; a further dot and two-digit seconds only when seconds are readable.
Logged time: 9.56
